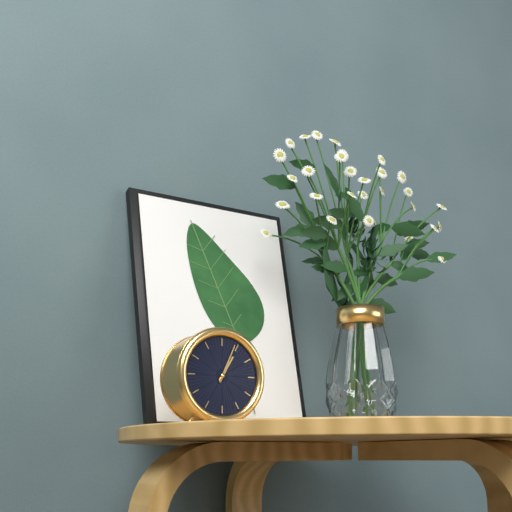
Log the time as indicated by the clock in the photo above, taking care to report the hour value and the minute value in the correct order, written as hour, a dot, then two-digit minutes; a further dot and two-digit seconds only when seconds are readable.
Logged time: 1.04
